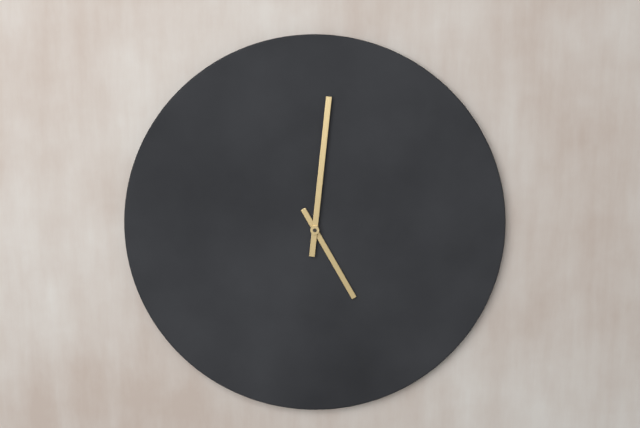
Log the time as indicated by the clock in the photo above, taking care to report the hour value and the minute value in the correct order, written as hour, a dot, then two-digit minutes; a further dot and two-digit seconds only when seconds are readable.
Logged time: 5.01
